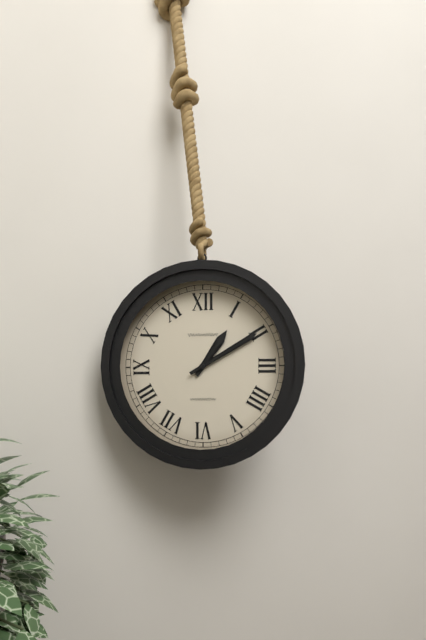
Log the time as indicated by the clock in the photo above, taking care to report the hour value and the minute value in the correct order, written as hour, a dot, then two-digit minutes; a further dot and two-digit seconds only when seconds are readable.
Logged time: 1.10
